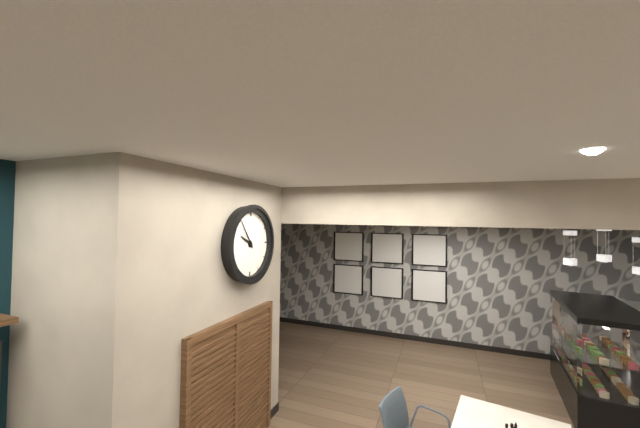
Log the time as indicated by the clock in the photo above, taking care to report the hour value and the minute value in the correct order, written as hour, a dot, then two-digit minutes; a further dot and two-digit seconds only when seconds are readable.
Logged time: 9.54
